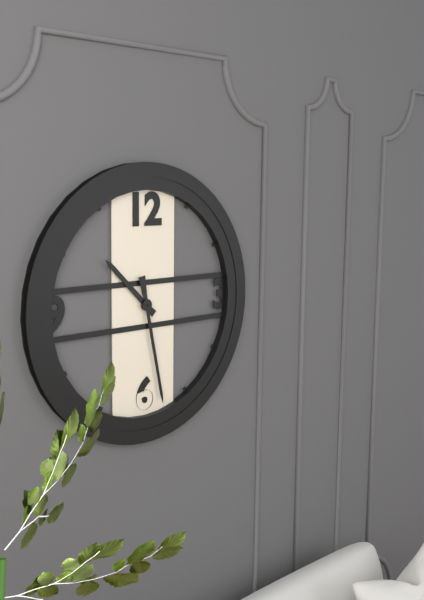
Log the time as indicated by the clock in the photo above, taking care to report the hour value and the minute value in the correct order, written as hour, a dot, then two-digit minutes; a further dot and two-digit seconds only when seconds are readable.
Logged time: 10.28
